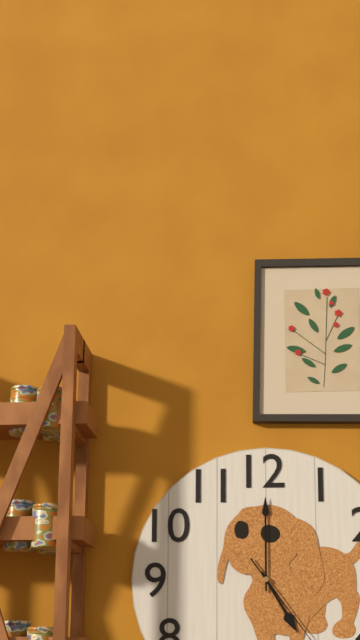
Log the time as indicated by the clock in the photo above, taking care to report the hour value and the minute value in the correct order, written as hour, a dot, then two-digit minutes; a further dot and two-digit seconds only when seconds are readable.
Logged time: 5.00
